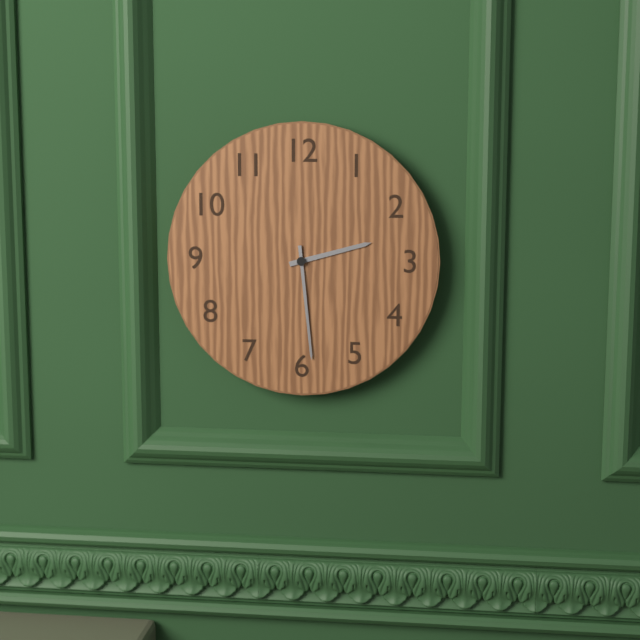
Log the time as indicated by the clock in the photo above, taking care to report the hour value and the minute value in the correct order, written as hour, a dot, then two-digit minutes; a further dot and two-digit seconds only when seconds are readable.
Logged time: 2.29
